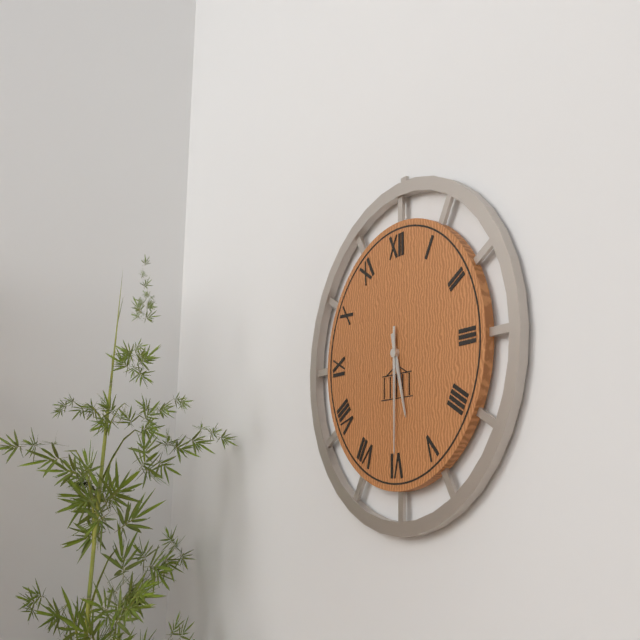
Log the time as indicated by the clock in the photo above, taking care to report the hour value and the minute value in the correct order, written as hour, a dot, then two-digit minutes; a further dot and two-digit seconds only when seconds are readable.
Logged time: 5.30
